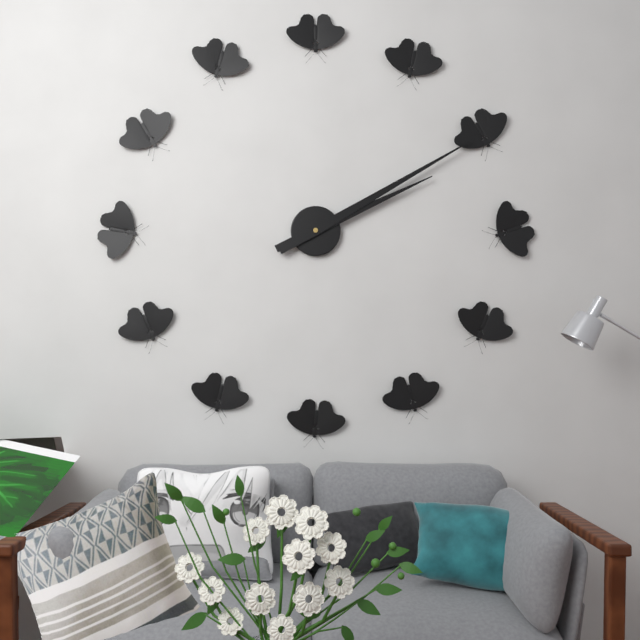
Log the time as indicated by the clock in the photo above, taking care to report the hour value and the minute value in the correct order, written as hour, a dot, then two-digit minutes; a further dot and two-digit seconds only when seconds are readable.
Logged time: 2.10
